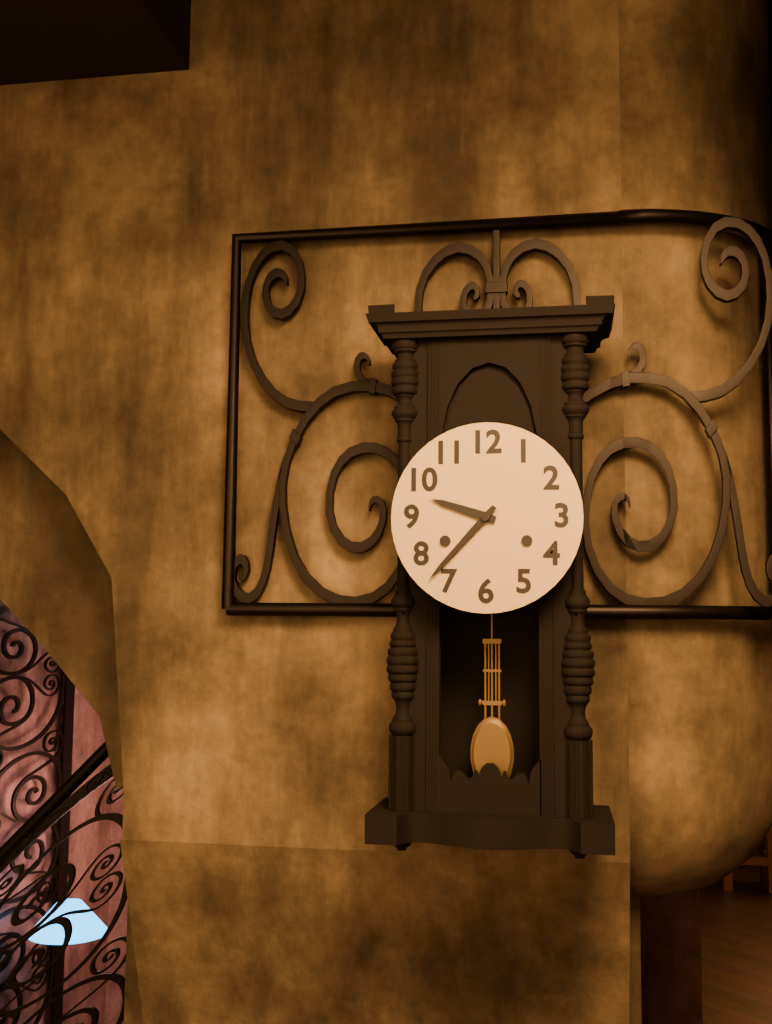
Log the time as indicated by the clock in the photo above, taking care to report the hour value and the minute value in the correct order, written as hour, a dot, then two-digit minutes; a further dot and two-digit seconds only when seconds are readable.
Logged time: 9.37
